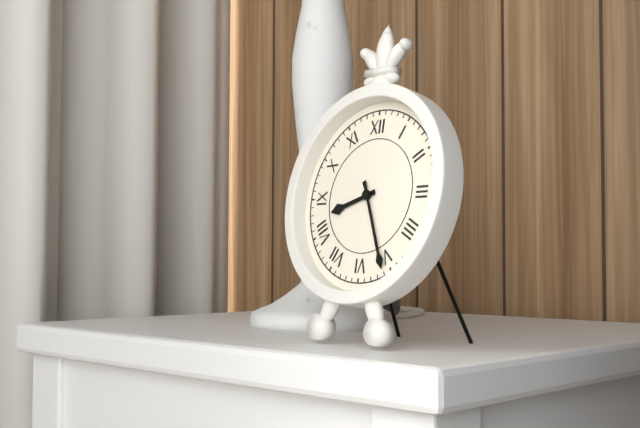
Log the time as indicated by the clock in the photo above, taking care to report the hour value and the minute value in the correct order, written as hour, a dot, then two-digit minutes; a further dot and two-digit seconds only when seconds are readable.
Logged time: 8.26
